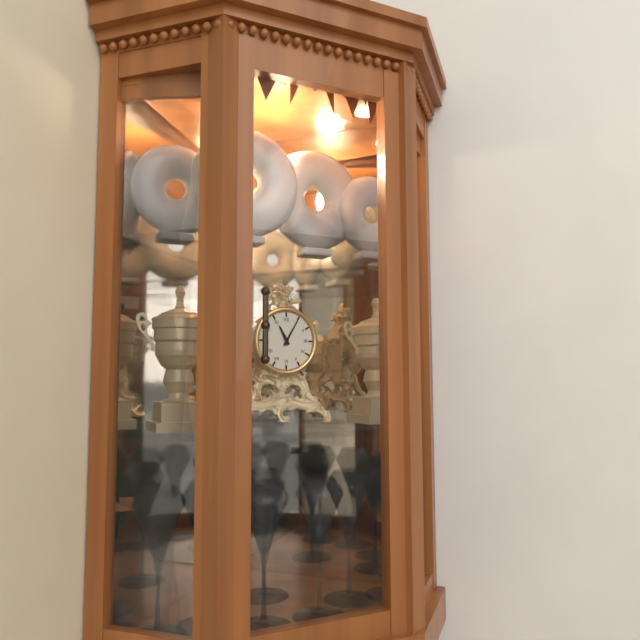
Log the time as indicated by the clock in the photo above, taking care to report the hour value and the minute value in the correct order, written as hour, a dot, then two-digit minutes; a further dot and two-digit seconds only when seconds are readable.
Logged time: 11.05
